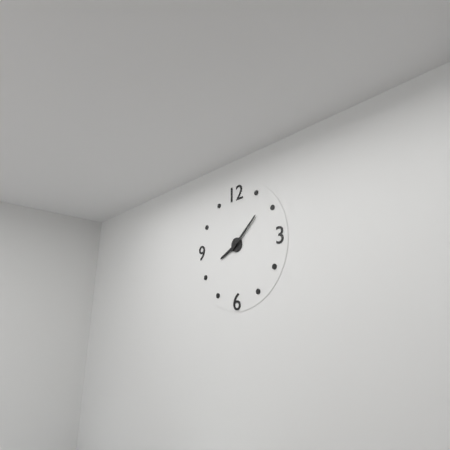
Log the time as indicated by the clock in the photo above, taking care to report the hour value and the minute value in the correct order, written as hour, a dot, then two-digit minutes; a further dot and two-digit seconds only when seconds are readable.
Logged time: 8.08
